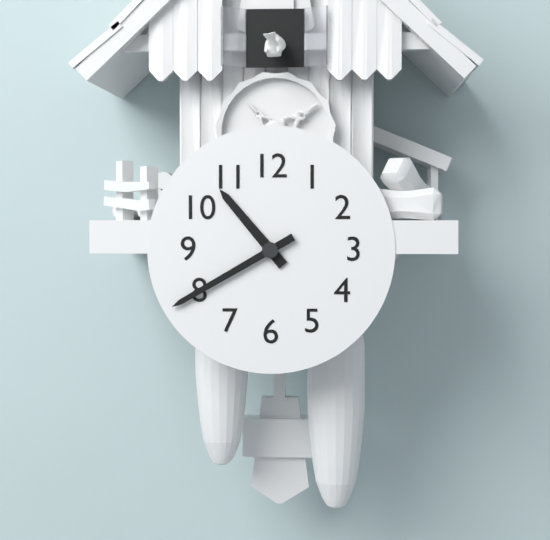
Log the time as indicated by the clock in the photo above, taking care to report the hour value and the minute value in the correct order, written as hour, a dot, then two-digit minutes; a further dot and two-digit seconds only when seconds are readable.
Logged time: 10.40
